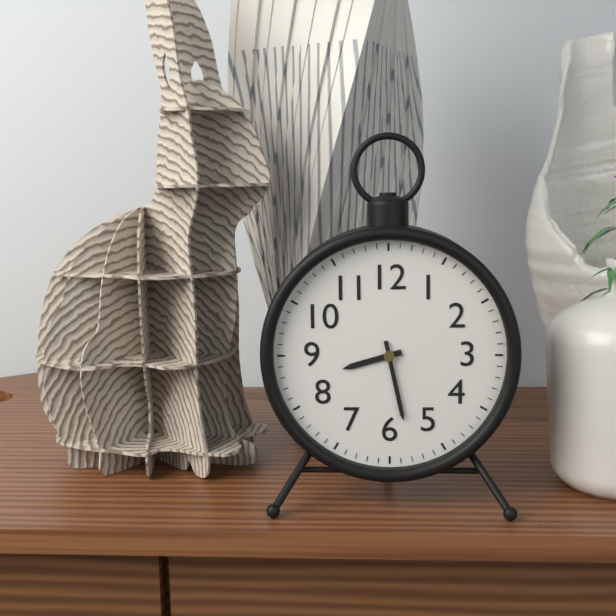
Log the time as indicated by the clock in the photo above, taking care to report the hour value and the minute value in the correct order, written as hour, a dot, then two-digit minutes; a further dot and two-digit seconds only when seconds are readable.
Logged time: 8.28
